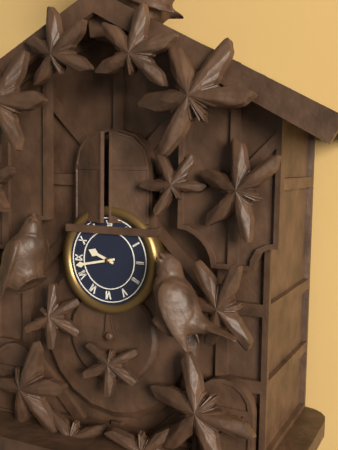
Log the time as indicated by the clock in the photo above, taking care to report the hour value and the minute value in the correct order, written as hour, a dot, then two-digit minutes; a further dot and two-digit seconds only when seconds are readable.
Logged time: 9.43
